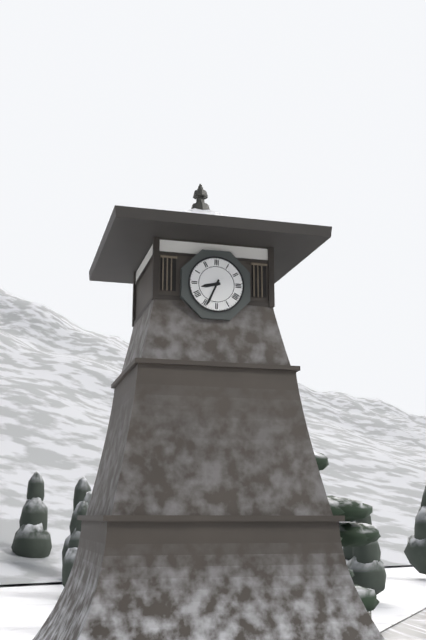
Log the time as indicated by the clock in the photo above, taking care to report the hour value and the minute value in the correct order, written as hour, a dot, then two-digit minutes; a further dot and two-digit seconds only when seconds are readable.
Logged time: 8.34
